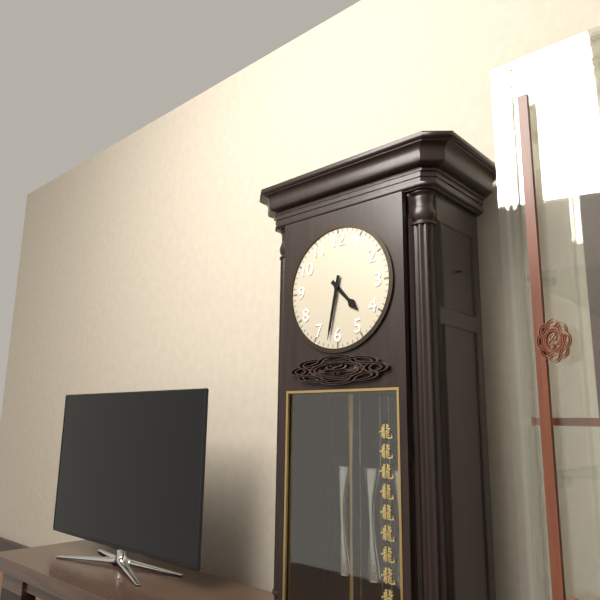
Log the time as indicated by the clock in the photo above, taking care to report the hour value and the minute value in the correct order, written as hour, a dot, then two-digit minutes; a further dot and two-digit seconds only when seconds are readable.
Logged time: 4.32
